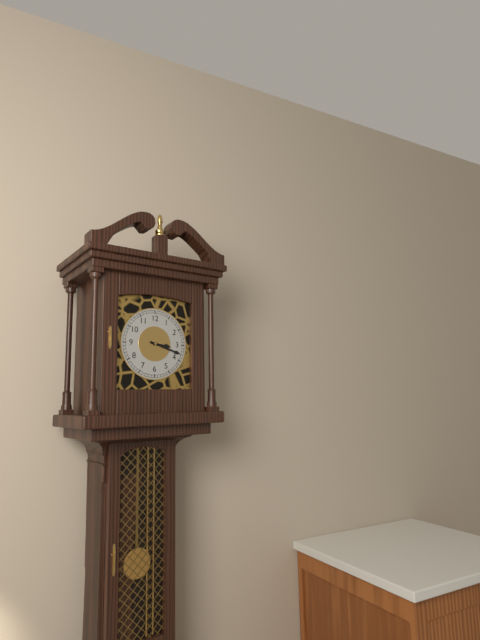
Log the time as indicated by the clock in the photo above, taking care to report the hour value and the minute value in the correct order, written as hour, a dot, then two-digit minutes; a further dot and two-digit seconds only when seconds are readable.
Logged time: 3.18
